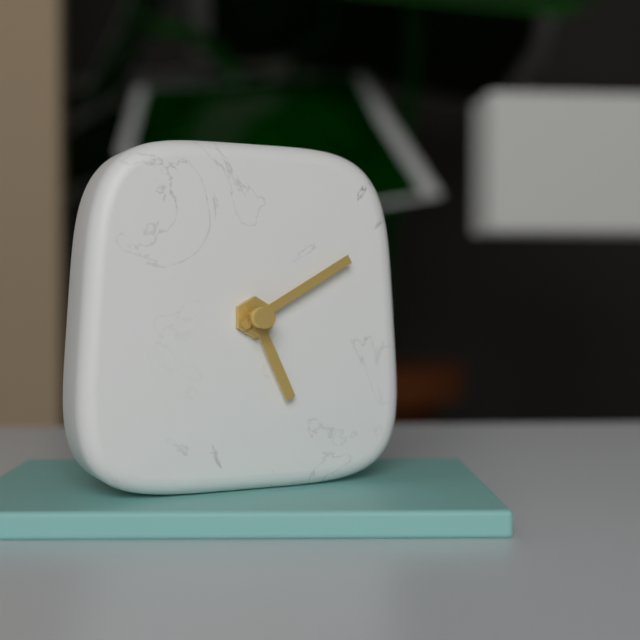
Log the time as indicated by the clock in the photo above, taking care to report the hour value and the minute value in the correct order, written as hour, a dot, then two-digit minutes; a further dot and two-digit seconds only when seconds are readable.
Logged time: 5.10
